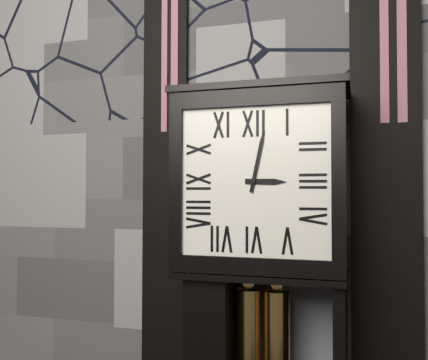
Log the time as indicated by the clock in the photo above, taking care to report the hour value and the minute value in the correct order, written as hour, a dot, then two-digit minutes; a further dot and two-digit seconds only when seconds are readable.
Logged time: 3.02
